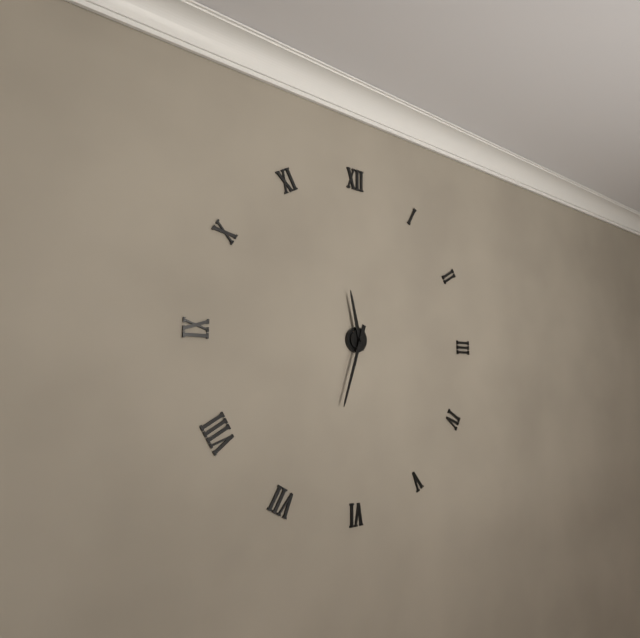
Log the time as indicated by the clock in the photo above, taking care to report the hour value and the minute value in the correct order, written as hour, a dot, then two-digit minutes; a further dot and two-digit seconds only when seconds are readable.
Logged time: 11.33
